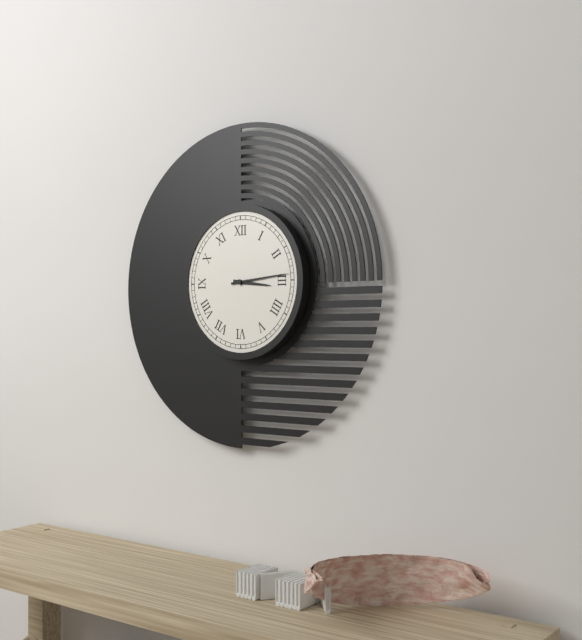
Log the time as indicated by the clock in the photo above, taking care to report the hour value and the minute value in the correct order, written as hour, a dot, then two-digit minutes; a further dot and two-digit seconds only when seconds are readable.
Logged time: 3.14
